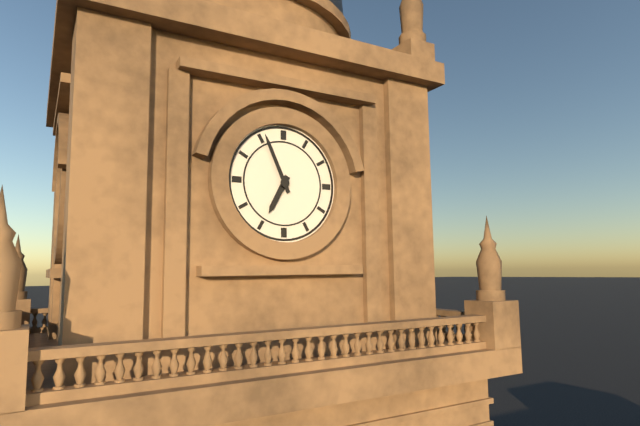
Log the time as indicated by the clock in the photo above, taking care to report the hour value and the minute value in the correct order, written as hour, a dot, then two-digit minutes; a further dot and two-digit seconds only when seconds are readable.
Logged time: 6.56
